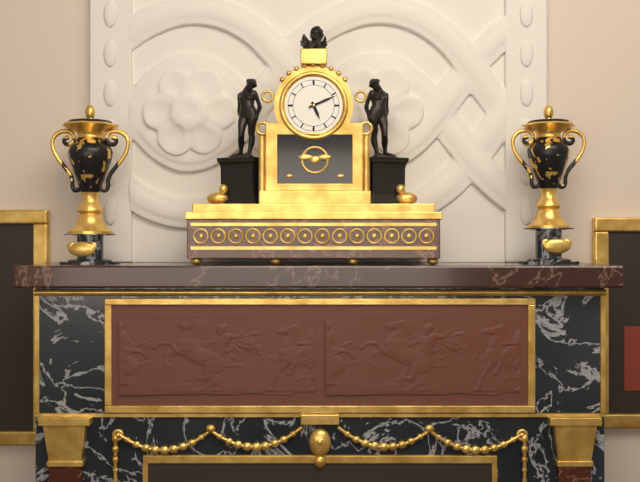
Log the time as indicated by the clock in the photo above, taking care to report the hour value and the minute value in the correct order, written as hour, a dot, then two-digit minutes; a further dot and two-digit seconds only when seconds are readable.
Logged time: 5.11
